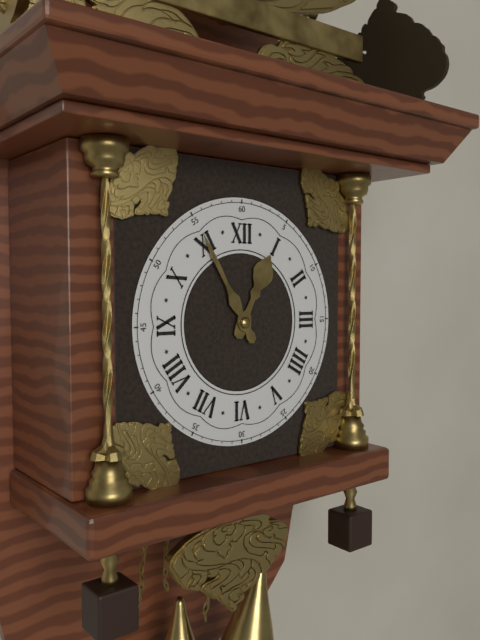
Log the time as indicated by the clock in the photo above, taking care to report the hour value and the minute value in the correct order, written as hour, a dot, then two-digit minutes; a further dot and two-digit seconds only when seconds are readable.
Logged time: 12.55
